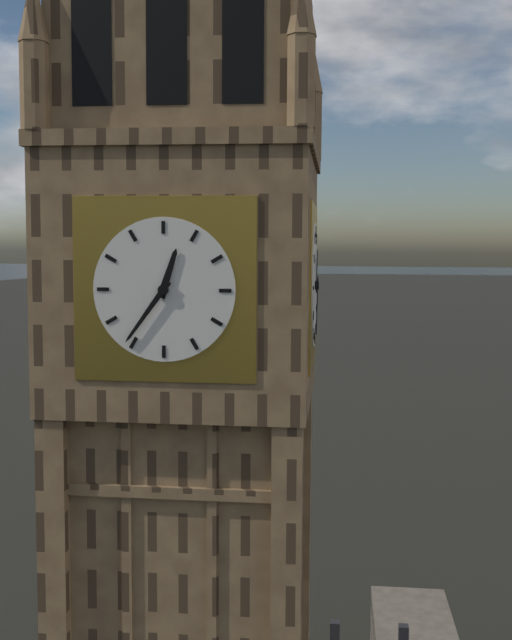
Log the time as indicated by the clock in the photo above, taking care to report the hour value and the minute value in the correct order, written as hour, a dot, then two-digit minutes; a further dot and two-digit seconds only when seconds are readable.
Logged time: 12.36
